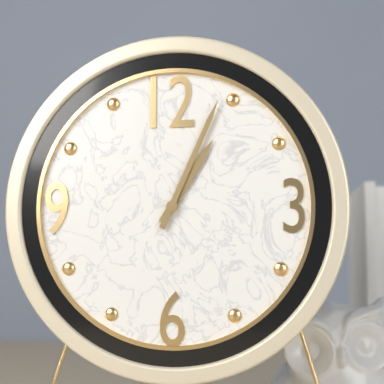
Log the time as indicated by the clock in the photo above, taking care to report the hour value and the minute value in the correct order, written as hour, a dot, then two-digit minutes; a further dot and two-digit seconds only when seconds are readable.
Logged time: 1.04
